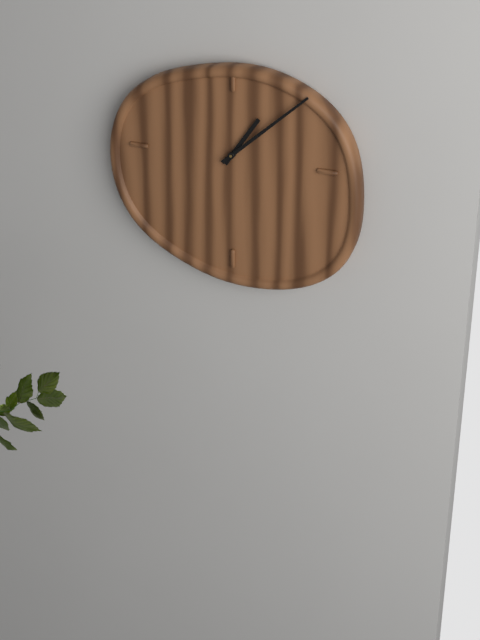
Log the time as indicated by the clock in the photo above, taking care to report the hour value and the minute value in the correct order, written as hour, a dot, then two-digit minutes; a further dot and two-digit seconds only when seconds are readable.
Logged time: 1.08
